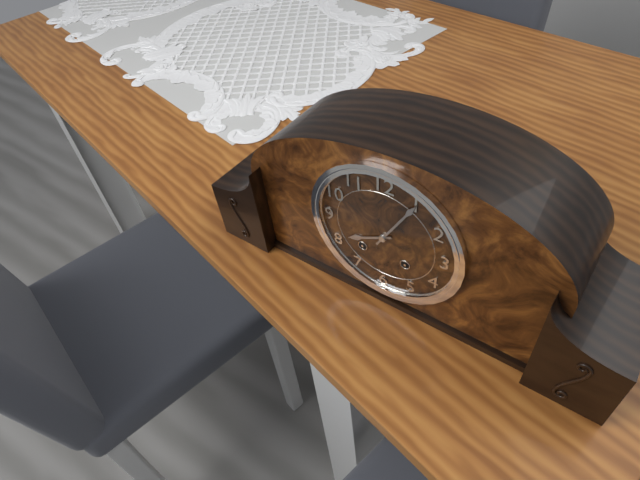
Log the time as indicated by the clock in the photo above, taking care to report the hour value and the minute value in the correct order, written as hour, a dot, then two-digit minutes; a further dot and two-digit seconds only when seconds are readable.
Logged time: 8.05
